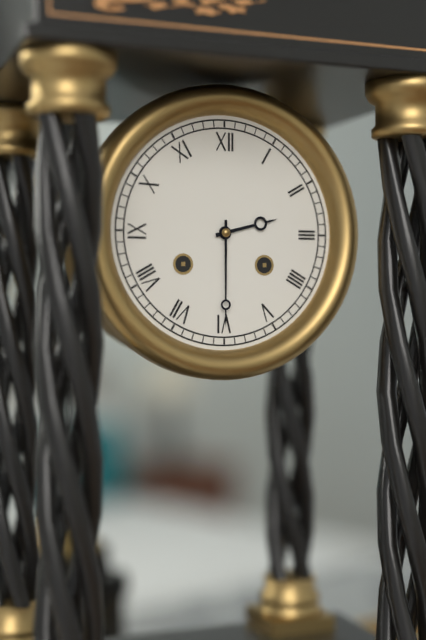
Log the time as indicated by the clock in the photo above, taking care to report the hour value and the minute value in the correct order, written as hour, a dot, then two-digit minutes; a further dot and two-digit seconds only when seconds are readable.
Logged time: 2.30
